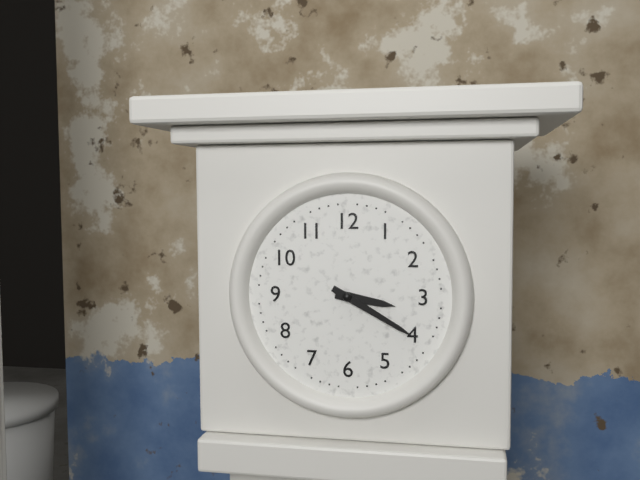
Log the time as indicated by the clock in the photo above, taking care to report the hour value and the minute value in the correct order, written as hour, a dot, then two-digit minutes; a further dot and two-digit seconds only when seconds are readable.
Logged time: 3.20
